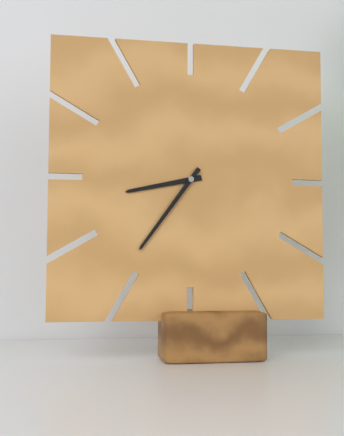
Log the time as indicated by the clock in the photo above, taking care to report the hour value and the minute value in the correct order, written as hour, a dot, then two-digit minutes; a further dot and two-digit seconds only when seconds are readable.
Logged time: 8.36
